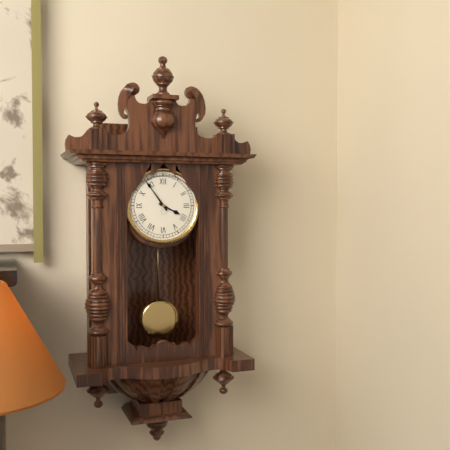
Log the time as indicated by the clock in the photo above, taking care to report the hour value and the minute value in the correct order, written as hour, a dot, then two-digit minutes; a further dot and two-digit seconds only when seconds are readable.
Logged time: 3.54
